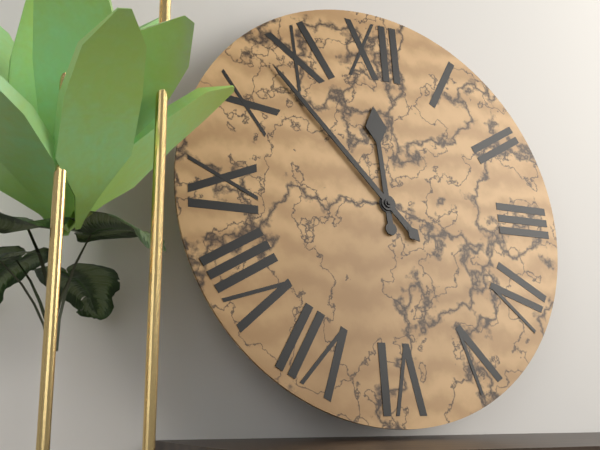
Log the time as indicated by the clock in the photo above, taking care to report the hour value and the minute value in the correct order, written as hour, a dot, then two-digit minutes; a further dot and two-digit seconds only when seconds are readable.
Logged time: 11.53
